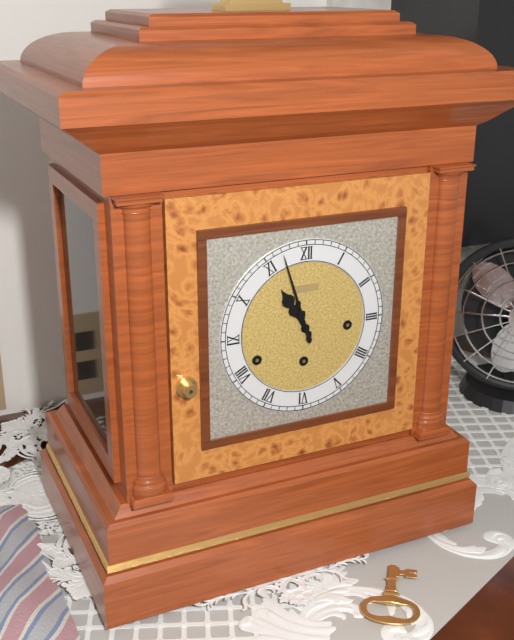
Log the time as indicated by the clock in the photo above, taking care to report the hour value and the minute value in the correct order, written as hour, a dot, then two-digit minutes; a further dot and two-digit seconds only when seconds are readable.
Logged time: 10.57
